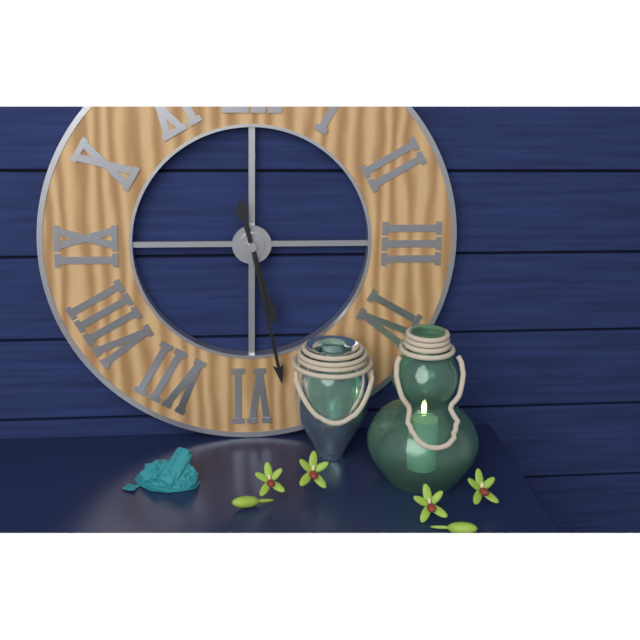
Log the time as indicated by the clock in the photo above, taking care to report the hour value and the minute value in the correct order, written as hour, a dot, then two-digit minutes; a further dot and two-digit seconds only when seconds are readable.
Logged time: 5.28
